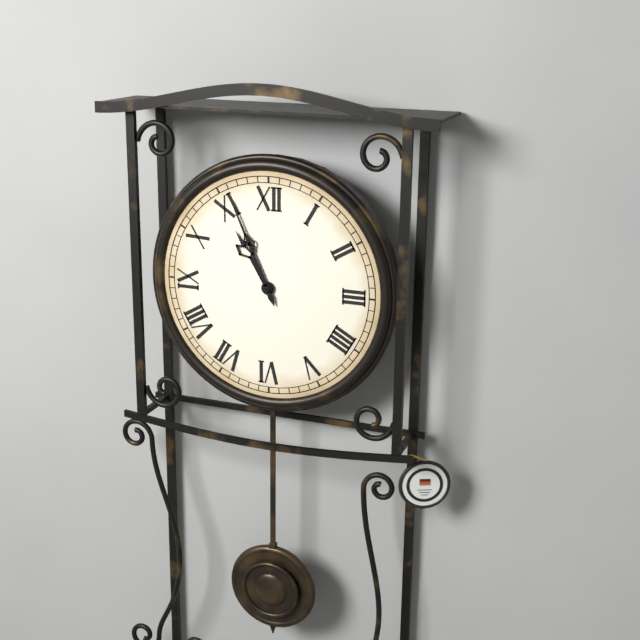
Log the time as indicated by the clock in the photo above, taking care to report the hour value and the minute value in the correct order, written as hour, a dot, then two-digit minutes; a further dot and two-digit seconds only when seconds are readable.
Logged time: 10.56
